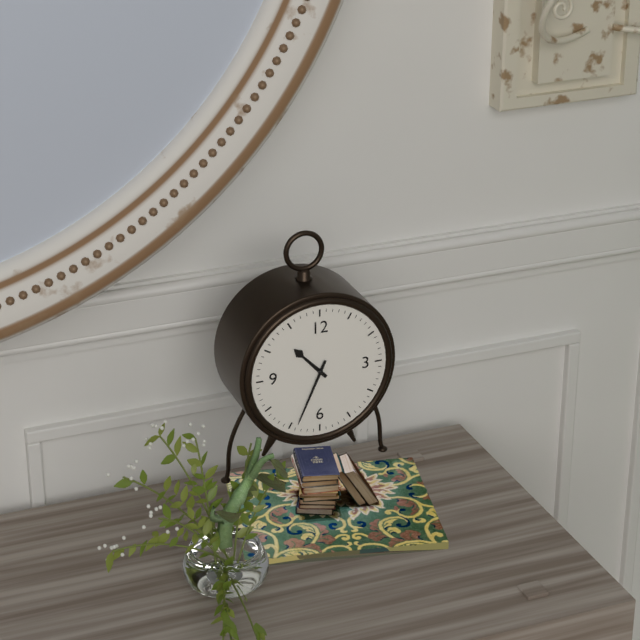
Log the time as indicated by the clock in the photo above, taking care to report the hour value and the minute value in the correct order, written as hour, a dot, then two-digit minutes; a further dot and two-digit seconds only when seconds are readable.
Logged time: 10.34
